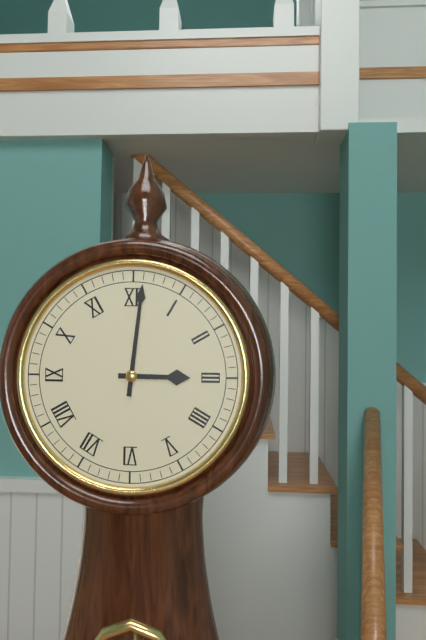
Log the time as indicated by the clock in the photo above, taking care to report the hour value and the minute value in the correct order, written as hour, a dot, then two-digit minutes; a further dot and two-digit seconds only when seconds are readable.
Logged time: 3.01
